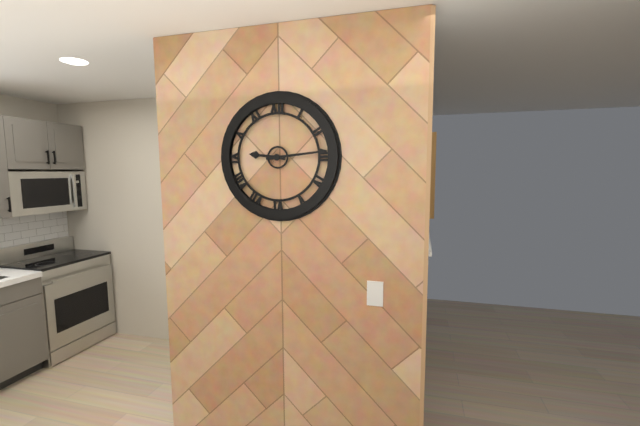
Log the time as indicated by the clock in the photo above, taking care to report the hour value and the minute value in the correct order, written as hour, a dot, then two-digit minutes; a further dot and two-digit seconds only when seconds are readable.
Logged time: 9.14
